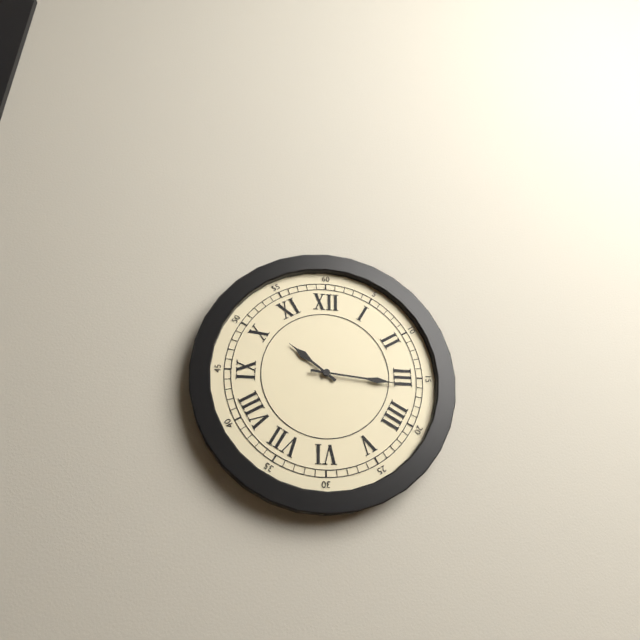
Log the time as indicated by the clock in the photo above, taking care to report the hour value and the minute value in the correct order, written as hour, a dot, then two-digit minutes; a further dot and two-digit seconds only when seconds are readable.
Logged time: 10.16
